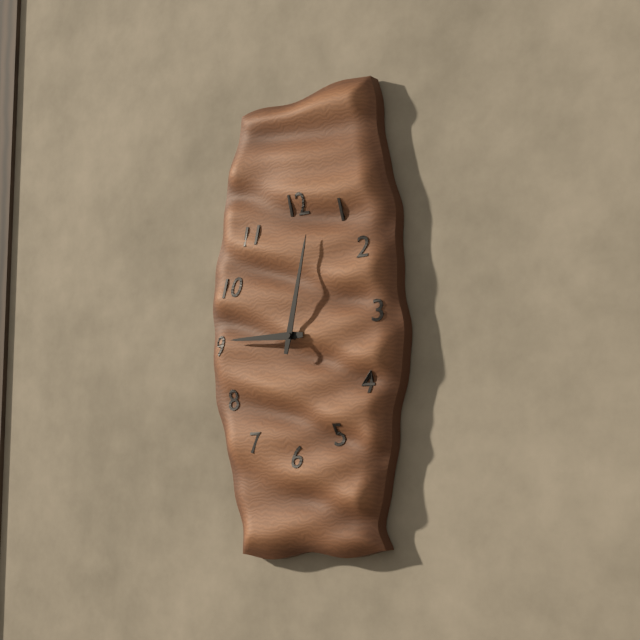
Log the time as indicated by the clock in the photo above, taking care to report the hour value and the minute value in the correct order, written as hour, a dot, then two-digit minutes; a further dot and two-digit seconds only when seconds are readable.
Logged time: 9.02
